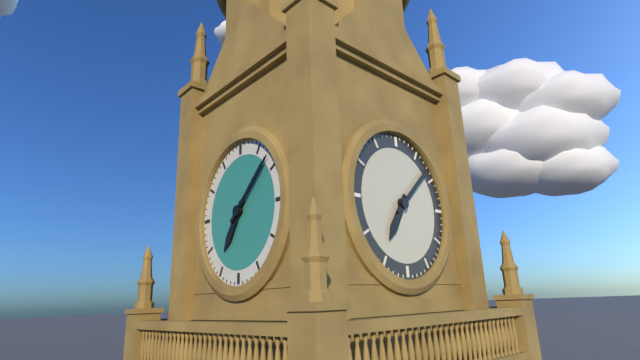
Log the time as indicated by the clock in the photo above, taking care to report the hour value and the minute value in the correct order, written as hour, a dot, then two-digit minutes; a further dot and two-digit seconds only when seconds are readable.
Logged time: 7.08
